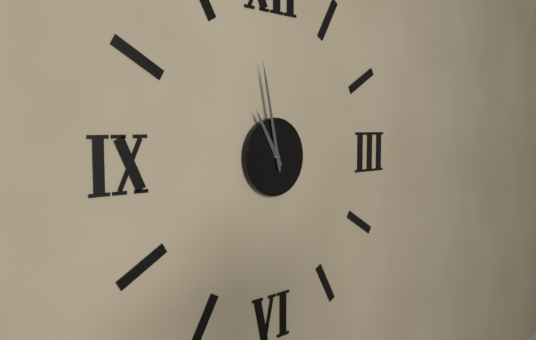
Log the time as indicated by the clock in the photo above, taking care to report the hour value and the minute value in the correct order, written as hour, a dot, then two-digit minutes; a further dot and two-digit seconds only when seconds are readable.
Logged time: 10.58
